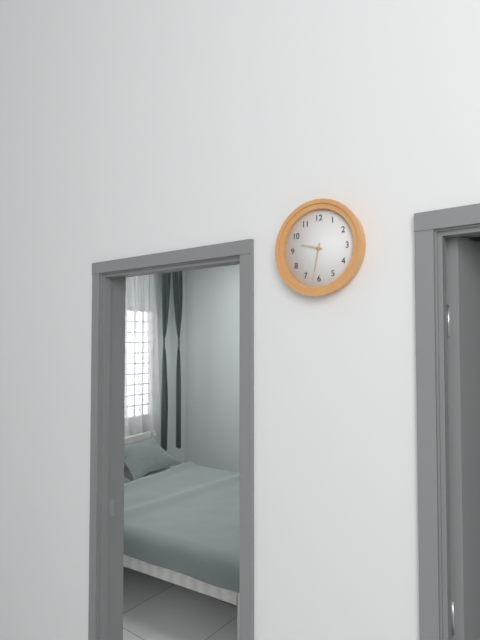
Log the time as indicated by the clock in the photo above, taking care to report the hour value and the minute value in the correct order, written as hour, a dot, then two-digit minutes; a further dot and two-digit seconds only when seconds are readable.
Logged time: 9.32
